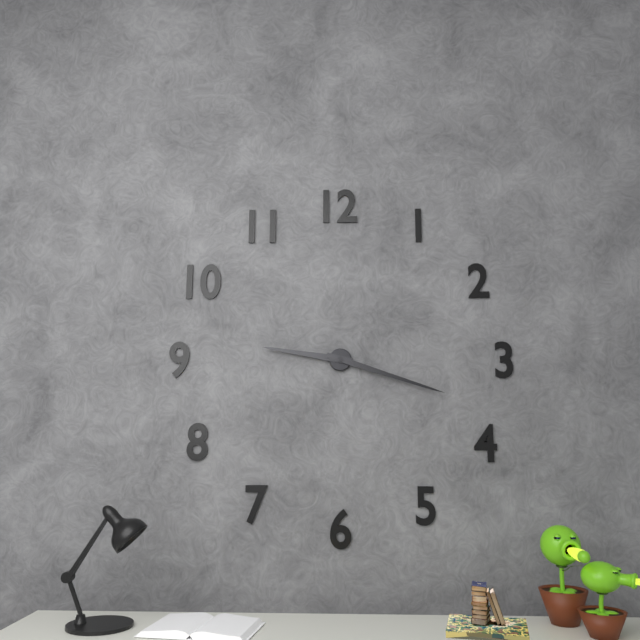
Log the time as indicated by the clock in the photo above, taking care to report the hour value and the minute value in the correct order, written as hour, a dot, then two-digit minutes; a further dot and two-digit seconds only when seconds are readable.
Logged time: 9.18
